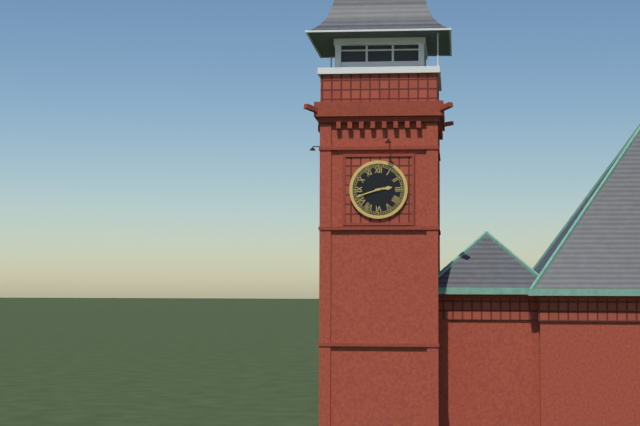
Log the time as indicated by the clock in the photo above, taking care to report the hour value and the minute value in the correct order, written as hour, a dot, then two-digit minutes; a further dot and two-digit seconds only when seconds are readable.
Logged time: 2.42
